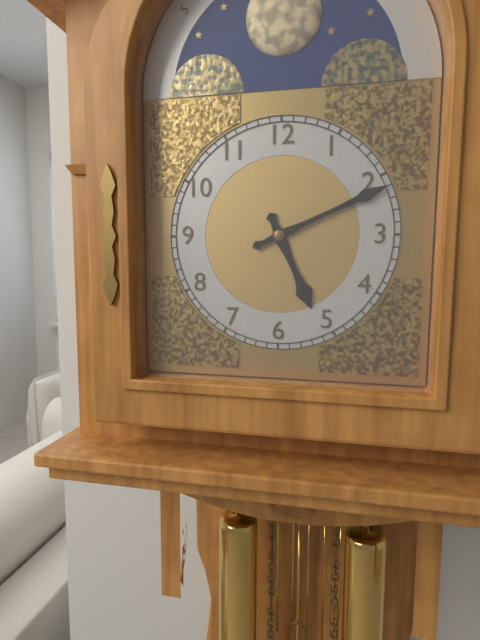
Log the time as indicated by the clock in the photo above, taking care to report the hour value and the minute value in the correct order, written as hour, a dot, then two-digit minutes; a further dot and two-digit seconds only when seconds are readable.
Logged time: 5.11
